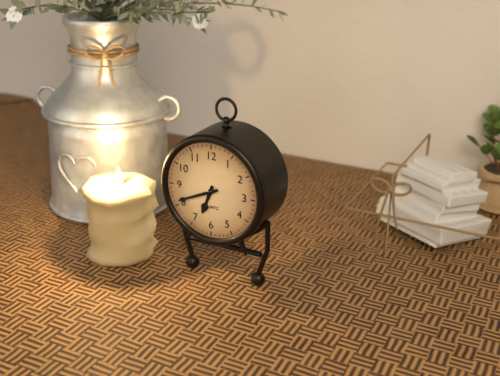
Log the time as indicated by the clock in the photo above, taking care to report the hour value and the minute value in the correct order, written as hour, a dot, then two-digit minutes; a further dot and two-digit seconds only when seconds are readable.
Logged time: 6.41
